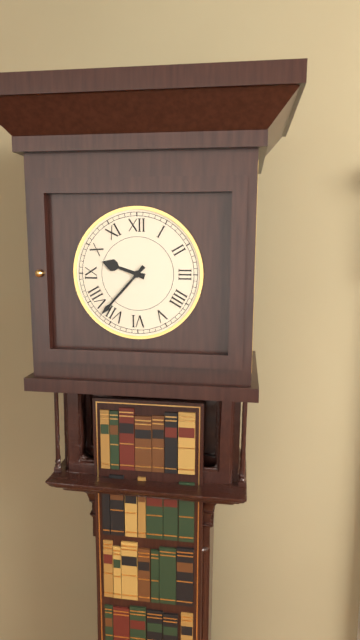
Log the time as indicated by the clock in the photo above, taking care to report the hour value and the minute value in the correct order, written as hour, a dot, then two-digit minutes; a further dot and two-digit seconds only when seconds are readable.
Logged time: 9.37
